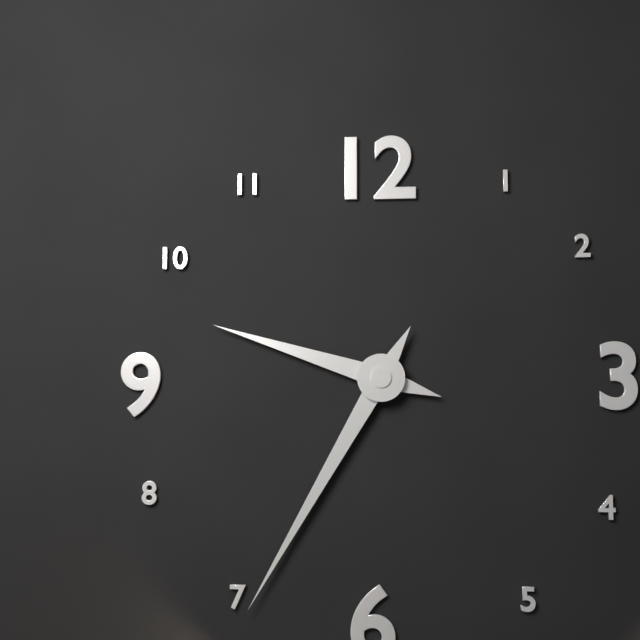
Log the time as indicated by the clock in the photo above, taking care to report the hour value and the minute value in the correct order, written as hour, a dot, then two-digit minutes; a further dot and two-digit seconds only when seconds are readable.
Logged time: 9.35
